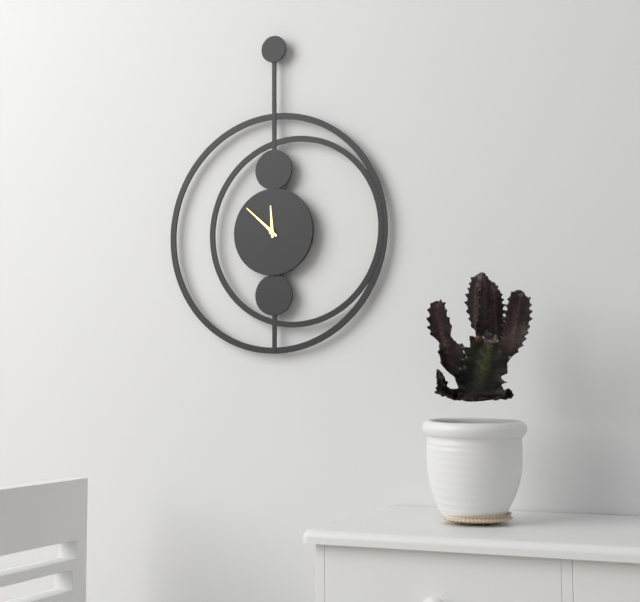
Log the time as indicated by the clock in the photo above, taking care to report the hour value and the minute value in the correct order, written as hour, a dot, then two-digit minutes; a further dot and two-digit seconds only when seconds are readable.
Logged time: 11.52
